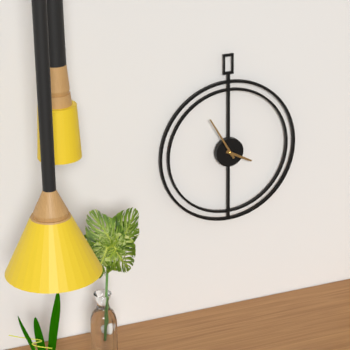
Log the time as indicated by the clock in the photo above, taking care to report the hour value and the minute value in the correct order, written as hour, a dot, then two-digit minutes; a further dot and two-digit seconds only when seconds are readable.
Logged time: 3.55
